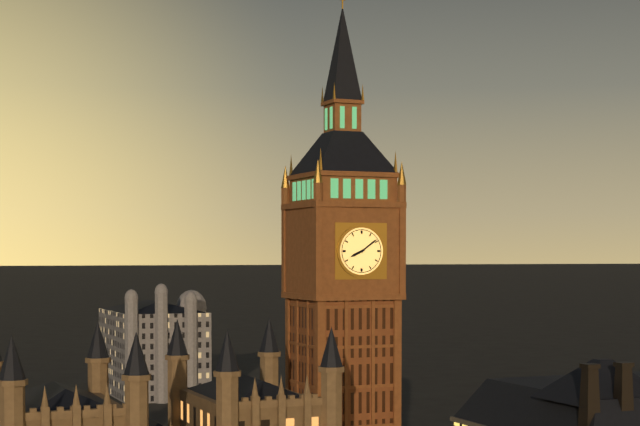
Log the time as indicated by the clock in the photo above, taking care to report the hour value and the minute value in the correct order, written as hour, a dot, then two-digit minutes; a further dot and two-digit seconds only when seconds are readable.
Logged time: 8.09
